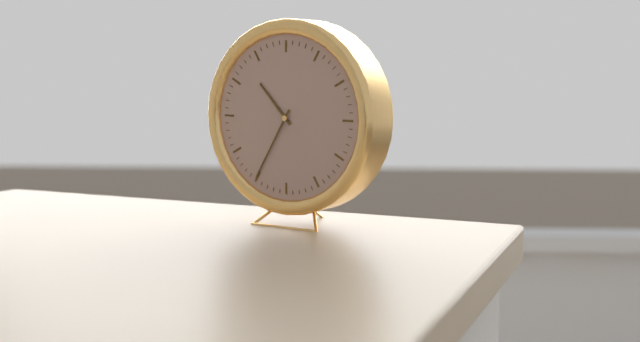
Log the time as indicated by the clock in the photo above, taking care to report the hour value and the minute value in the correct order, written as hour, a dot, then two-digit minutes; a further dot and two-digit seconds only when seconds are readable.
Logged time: 10.35
